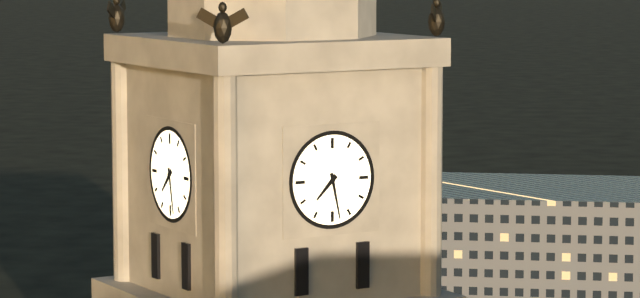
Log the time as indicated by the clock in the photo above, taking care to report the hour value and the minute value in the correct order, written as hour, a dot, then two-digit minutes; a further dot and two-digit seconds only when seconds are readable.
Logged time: 7.28
